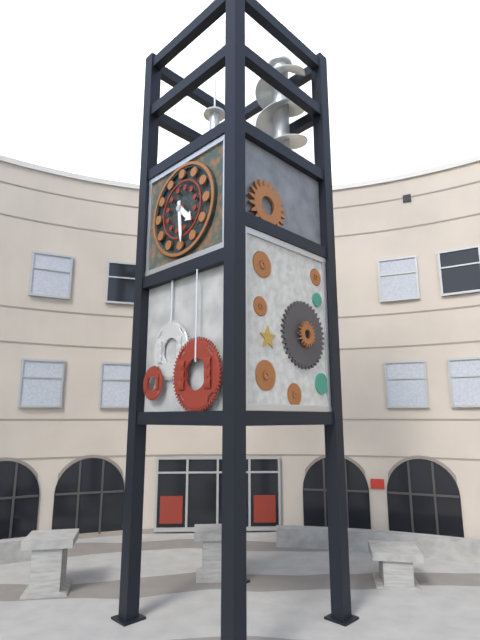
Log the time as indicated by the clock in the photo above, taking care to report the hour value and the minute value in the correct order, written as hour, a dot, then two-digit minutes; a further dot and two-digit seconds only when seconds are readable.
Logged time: 4.29
